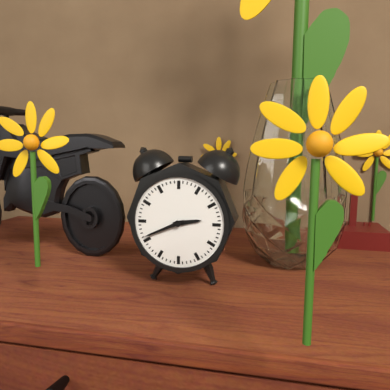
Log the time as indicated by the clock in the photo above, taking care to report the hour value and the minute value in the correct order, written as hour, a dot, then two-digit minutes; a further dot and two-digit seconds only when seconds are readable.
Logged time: 2.41
